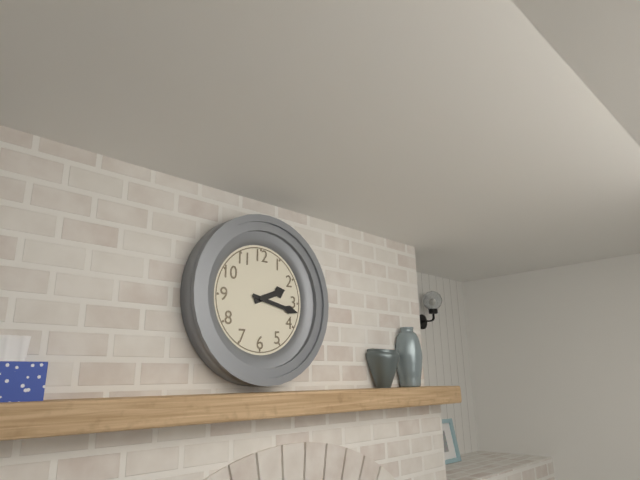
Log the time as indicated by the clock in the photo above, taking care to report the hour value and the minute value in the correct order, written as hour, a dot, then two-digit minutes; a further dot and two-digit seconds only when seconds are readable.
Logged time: 2.17
